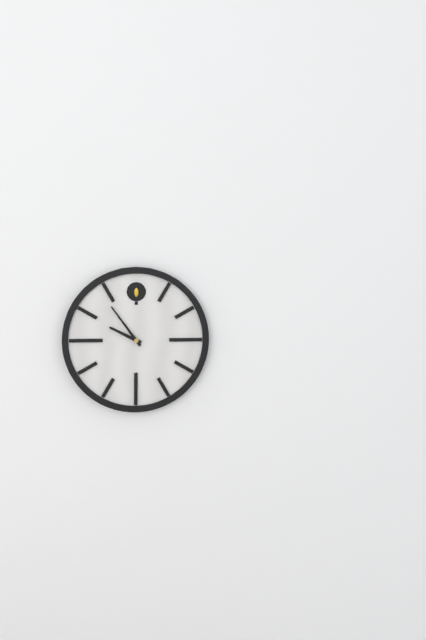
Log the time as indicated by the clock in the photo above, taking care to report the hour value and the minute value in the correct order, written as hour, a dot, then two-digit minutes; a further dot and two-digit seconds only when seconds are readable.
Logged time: 9.54
